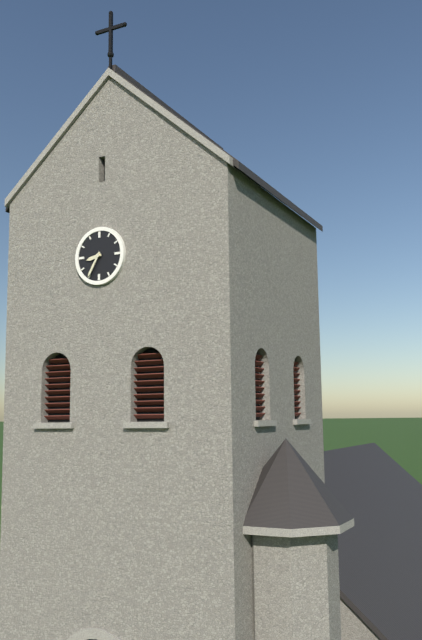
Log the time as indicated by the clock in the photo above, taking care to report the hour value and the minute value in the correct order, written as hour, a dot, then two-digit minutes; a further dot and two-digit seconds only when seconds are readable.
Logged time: 8.35
